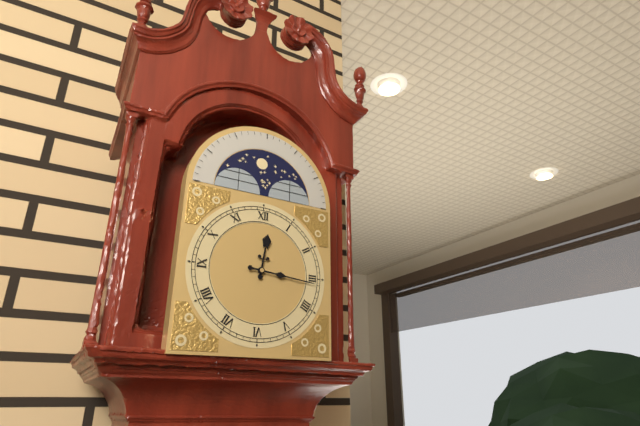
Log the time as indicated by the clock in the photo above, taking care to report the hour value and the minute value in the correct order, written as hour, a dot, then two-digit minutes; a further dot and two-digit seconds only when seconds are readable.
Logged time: 12.16
